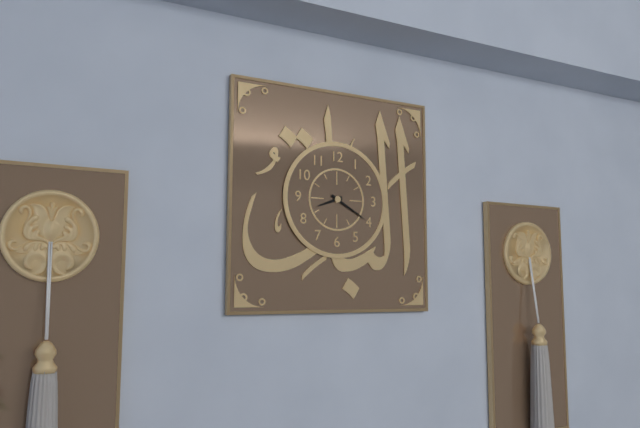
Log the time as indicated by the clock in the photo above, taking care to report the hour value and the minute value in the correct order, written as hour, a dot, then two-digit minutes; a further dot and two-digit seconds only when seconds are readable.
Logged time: 8.20
